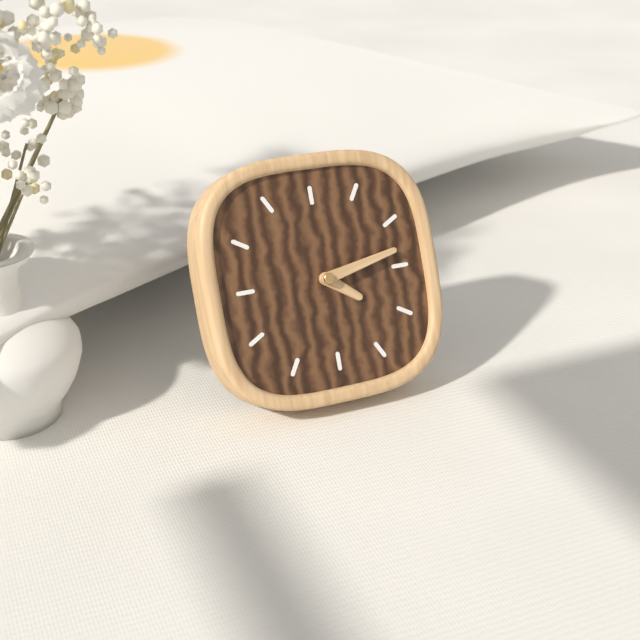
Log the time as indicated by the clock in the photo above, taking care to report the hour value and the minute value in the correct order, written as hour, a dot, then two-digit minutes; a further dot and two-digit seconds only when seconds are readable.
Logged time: 4.13
